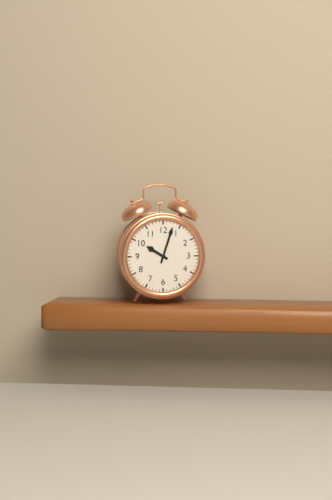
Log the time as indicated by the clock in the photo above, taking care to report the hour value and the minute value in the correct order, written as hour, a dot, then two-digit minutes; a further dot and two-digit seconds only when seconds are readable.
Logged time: 10.03
